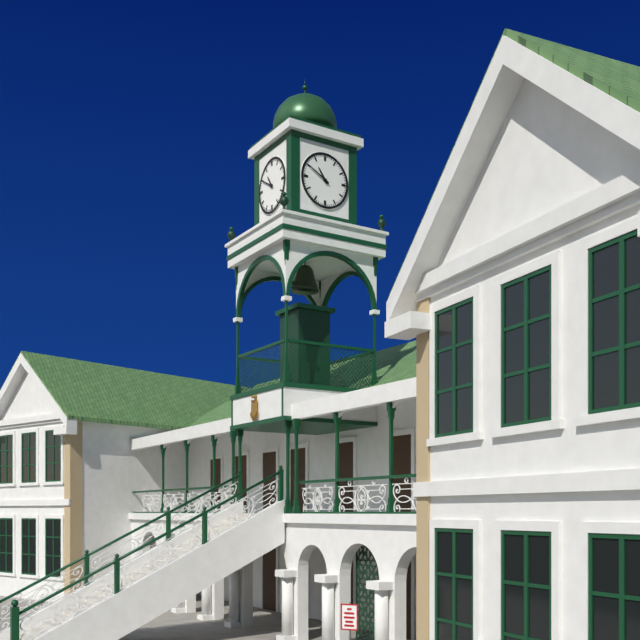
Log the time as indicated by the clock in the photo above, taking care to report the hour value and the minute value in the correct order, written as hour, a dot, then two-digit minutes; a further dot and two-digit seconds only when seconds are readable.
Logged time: 10.50
